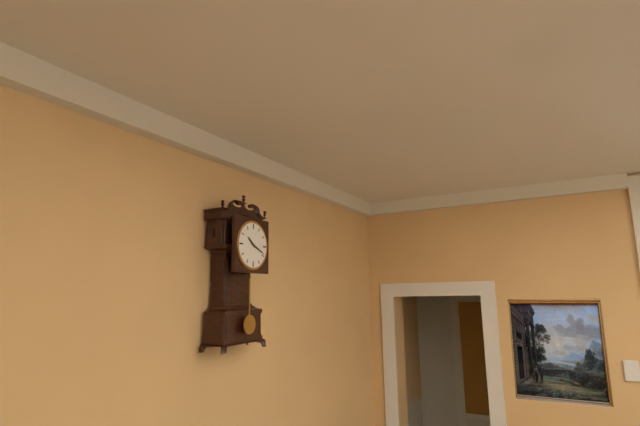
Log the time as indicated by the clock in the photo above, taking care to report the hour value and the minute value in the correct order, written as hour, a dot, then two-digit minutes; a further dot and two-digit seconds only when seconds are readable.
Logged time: 10.19
